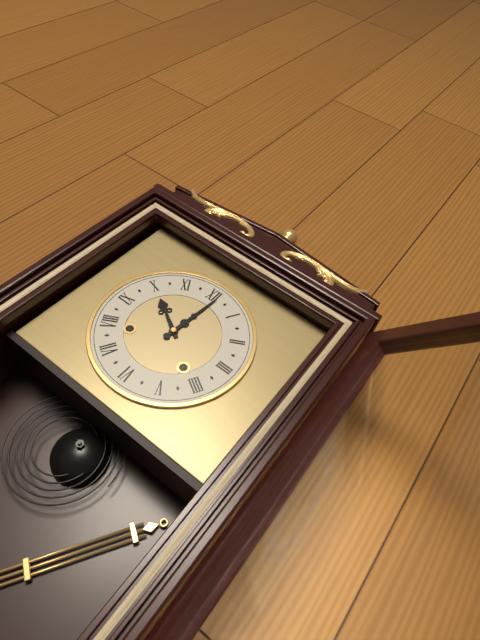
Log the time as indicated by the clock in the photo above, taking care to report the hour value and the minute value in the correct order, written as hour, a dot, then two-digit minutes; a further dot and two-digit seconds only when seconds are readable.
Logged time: 10.01
